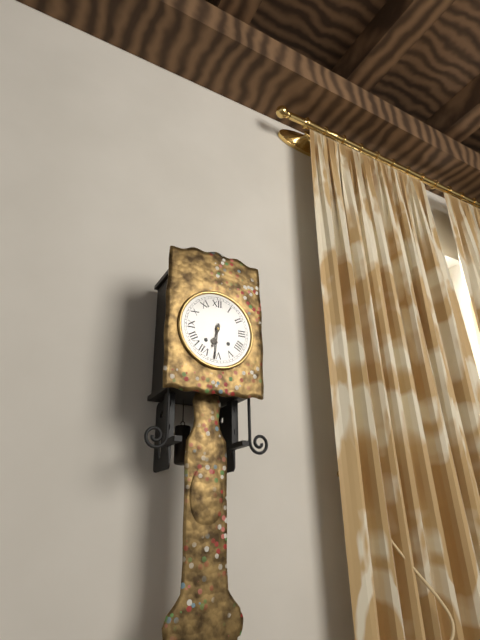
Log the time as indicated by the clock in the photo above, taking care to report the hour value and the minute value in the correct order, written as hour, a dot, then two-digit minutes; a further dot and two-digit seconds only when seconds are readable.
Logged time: 6.31
